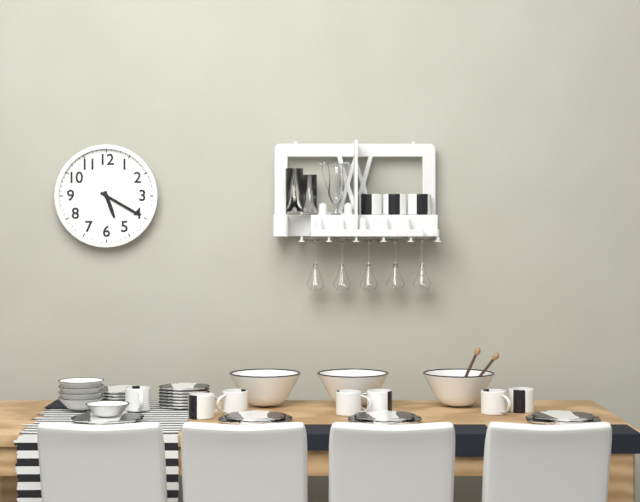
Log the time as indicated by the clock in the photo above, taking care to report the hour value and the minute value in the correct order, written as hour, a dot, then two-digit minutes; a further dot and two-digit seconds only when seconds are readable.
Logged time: 5.20
